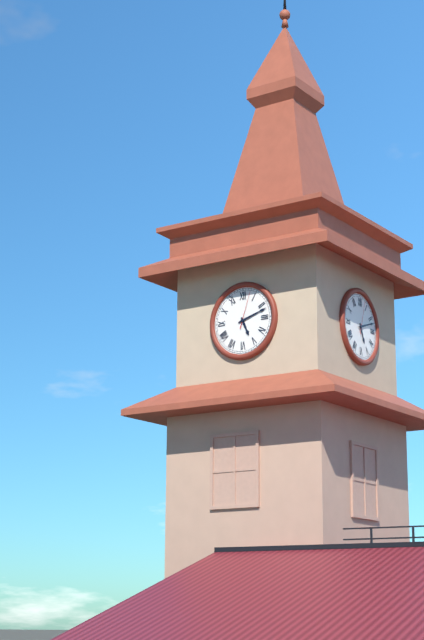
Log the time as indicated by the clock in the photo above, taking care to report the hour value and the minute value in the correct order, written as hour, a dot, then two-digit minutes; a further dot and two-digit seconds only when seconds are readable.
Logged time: 5.12
